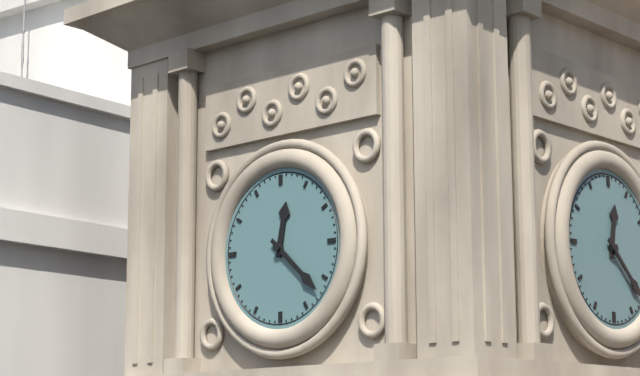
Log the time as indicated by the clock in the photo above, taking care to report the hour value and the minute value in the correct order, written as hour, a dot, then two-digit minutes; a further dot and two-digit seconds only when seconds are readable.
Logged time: 12.22
